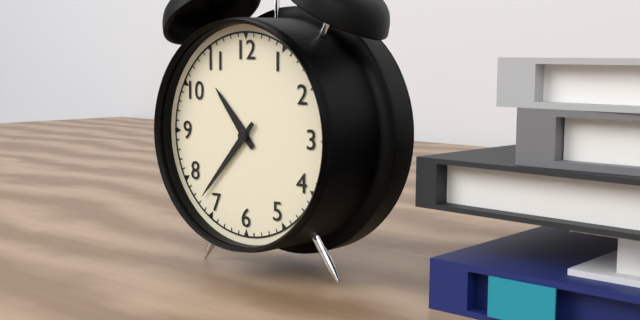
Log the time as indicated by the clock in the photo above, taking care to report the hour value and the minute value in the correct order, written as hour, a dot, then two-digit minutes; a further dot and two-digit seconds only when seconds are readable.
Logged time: 10.37
